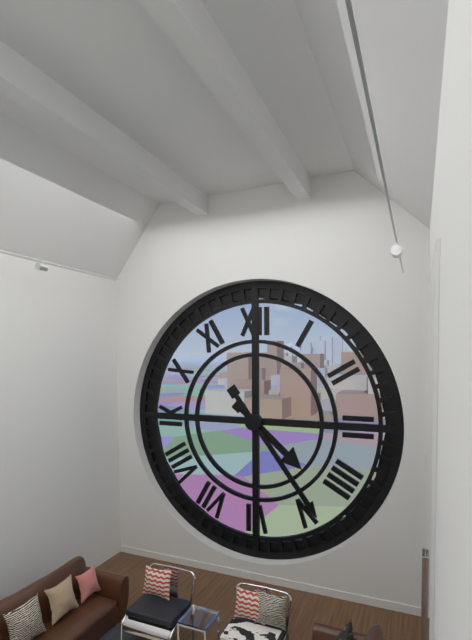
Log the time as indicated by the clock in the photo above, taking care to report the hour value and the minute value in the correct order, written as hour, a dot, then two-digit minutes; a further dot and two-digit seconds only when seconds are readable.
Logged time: 4.24
